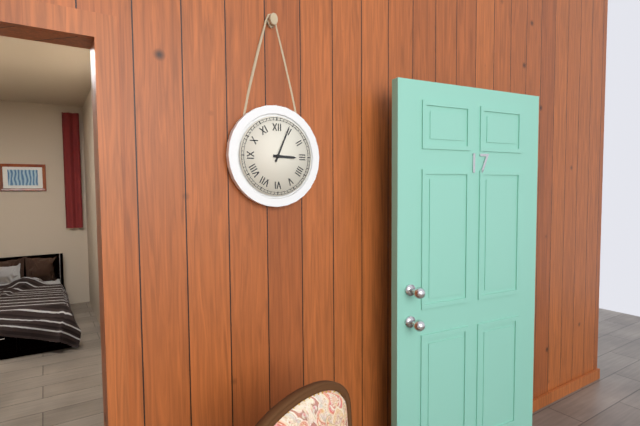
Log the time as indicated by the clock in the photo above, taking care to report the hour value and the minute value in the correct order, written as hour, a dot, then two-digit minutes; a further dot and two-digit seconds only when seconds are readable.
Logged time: 3.04
